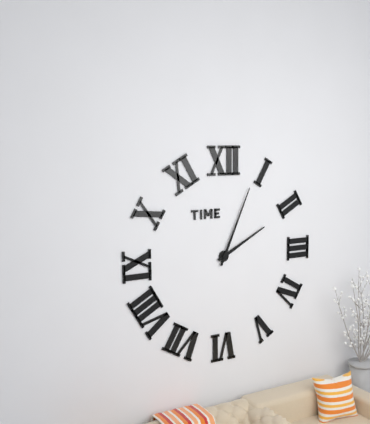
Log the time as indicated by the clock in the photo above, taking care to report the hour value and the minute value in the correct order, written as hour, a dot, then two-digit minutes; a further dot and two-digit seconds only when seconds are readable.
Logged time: 2.04
